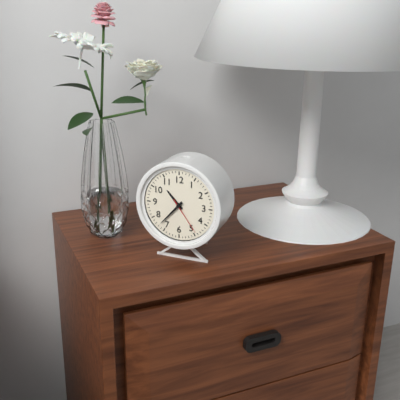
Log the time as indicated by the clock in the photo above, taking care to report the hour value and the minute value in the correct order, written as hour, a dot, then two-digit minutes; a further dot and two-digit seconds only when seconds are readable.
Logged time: 10.37
